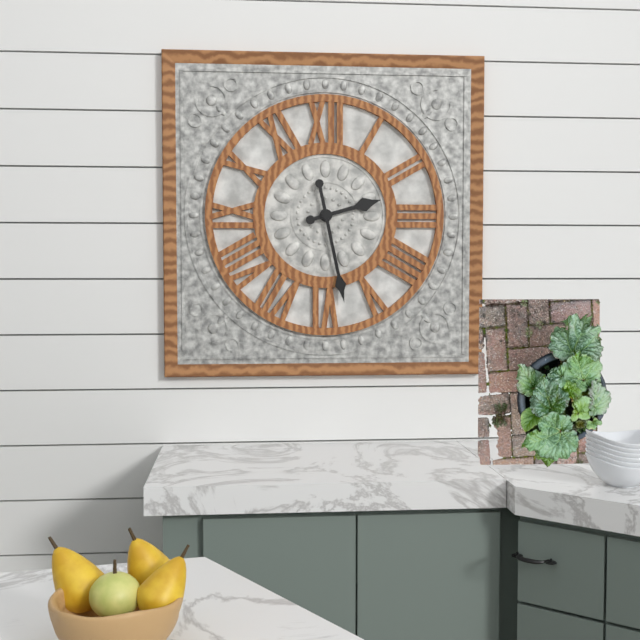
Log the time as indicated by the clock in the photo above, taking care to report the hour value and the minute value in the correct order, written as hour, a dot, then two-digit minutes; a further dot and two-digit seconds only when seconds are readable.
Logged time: 2.28
